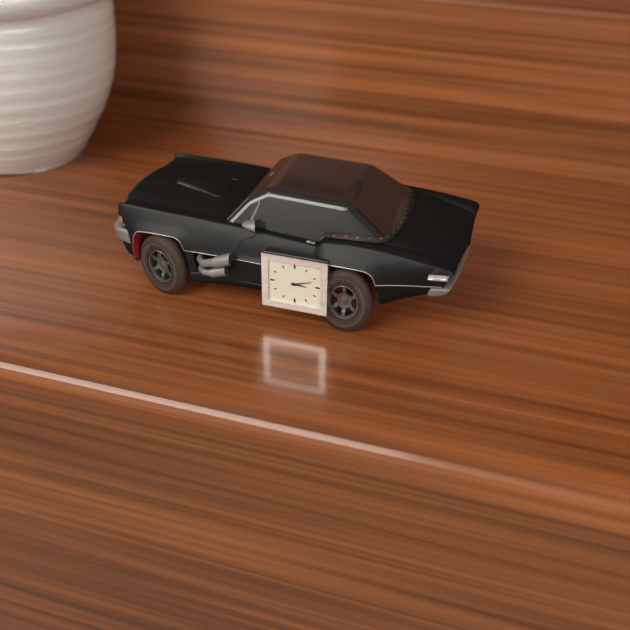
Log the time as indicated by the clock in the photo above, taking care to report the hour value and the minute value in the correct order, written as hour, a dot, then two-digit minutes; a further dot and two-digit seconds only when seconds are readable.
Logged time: 3.12
